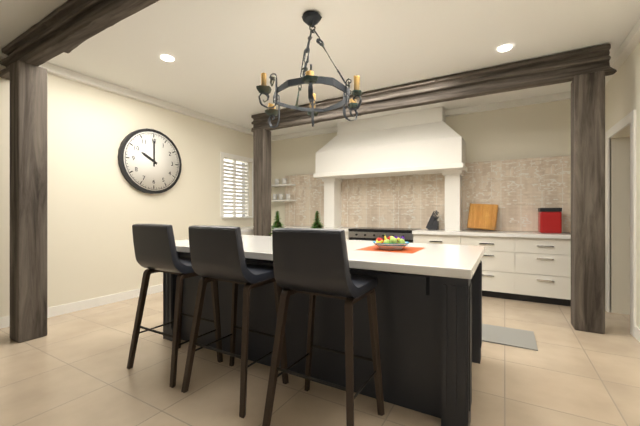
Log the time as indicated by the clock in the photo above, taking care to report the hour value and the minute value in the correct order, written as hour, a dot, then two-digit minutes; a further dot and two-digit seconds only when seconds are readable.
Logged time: 10.00
